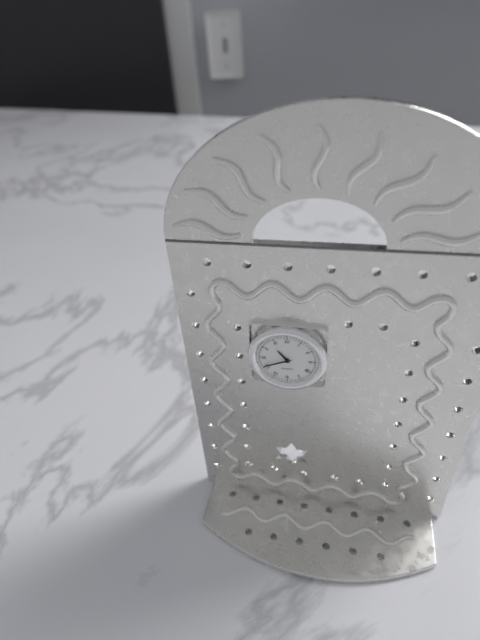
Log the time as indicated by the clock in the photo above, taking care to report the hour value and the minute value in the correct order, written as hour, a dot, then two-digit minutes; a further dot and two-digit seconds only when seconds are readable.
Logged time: 10.41
